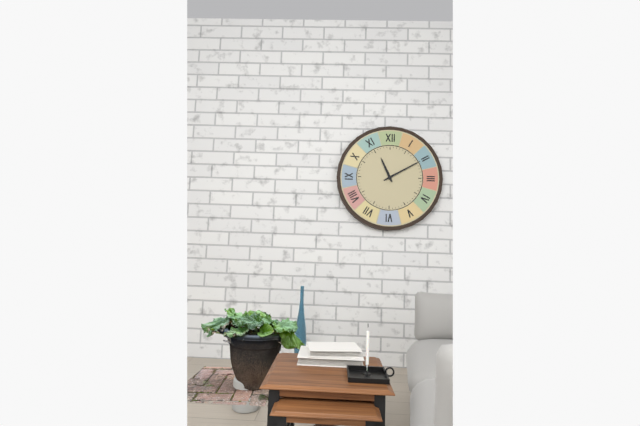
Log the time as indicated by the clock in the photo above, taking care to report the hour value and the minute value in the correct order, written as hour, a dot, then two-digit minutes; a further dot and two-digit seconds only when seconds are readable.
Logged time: 11.10
